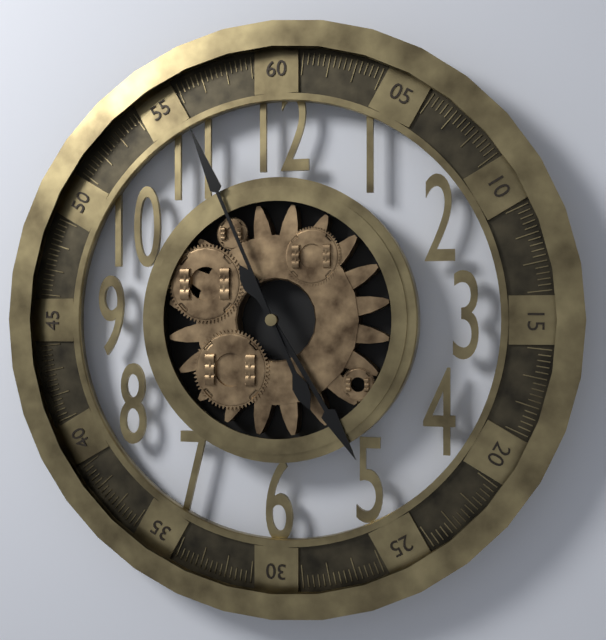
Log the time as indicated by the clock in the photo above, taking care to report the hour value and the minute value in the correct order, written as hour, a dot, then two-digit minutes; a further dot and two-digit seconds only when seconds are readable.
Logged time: 4.56
